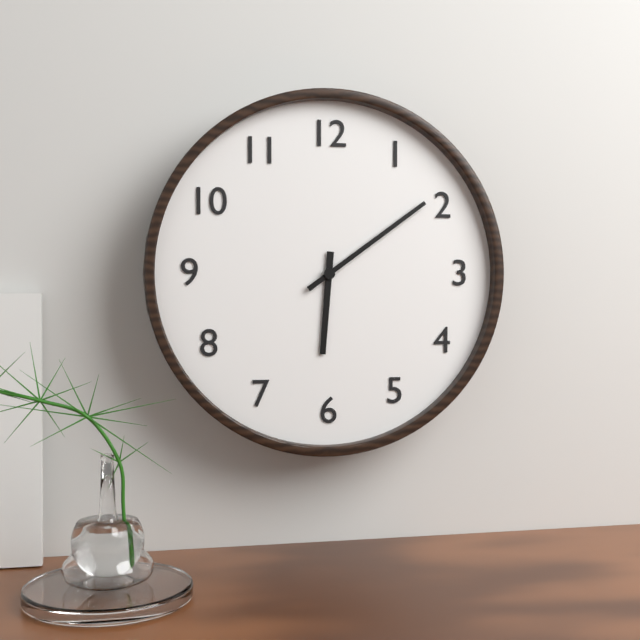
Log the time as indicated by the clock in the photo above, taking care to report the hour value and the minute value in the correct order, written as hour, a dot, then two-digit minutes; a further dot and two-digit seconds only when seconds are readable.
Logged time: 6.09
